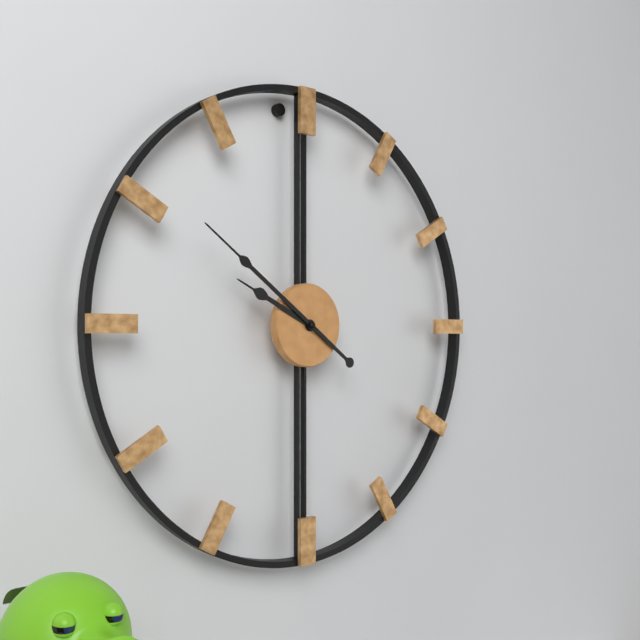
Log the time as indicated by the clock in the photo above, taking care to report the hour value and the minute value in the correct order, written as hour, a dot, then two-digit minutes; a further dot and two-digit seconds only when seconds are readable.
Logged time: 9.51
